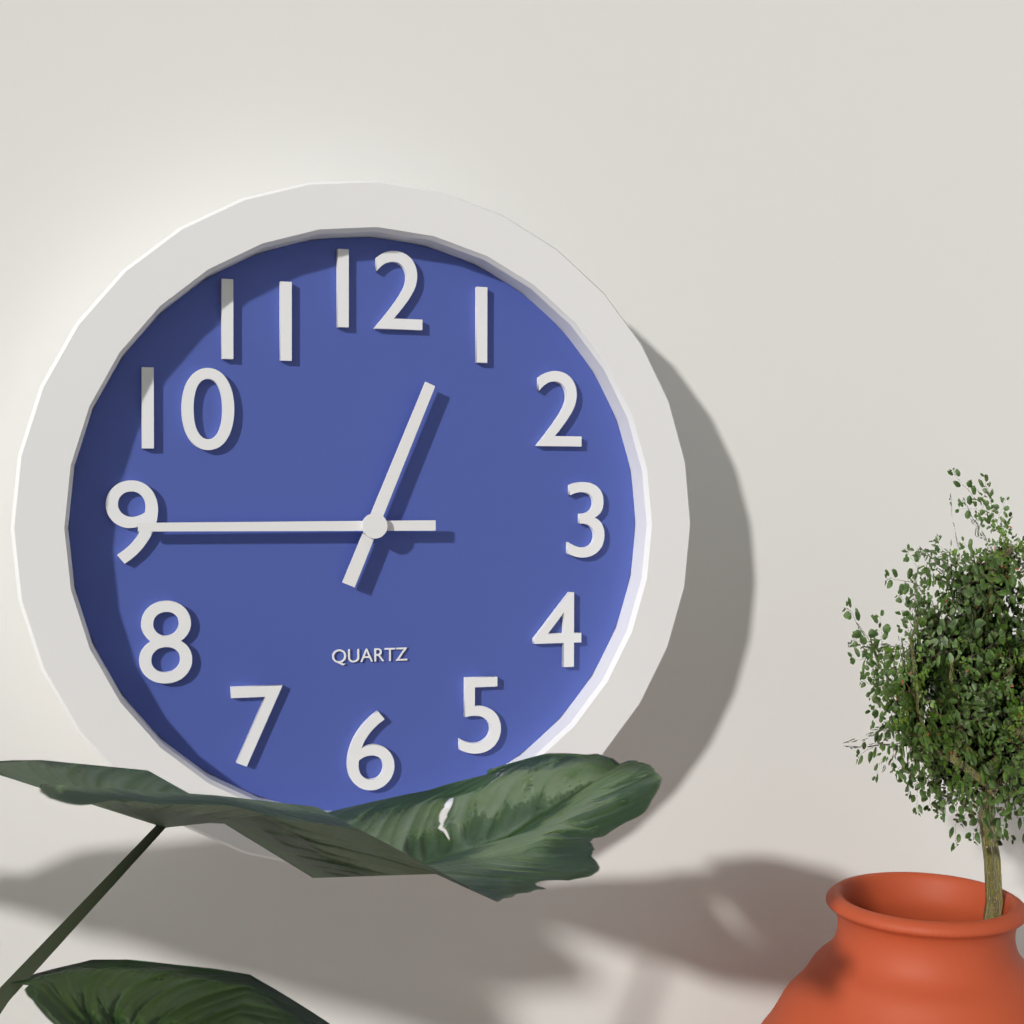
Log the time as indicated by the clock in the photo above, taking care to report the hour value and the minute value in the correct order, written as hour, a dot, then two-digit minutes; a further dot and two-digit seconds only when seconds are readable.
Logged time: 12.45
